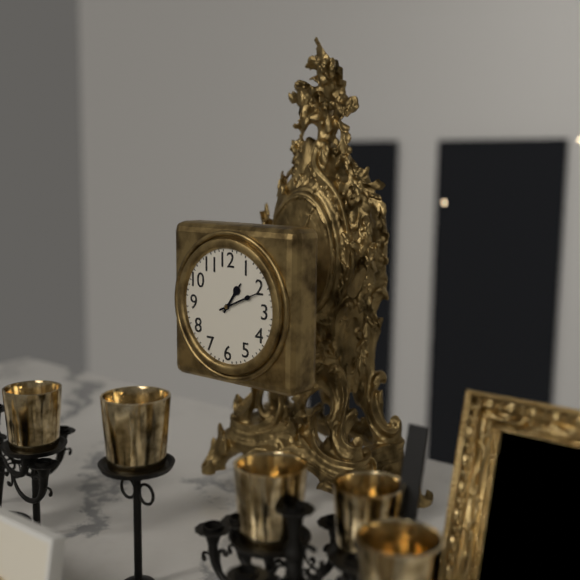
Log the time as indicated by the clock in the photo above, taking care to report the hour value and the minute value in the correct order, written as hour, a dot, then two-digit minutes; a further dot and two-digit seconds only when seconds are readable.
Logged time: 1.11
